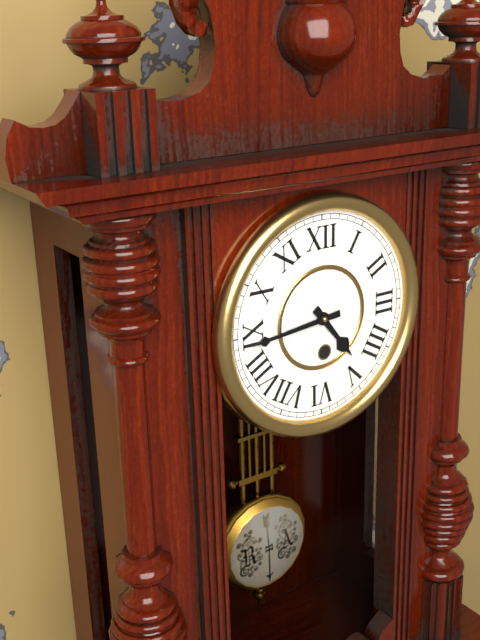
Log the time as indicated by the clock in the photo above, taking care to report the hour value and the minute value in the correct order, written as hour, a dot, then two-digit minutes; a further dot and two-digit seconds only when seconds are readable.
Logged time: 4.44
